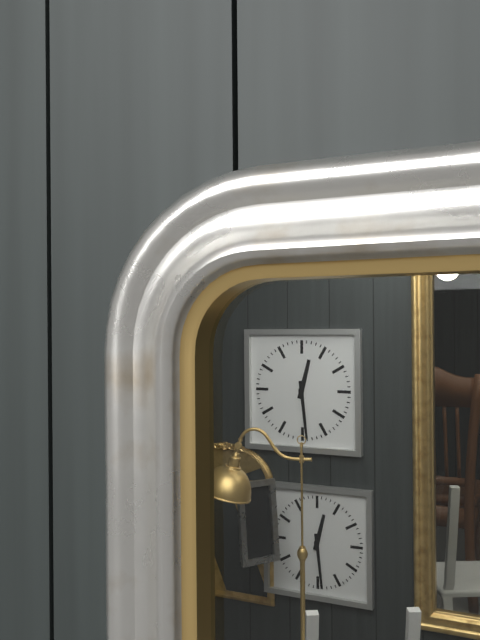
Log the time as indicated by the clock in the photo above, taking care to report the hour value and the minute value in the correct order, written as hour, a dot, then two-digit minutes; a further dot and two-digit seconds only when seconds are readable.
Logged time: 12.29
